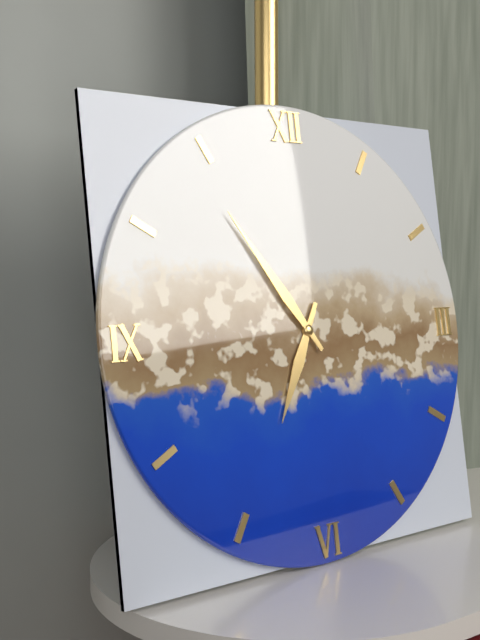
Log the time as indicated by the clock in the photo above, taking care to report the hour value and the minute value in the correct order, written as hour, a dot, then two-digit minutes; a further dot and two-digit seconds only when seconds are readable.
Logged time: 6.54
